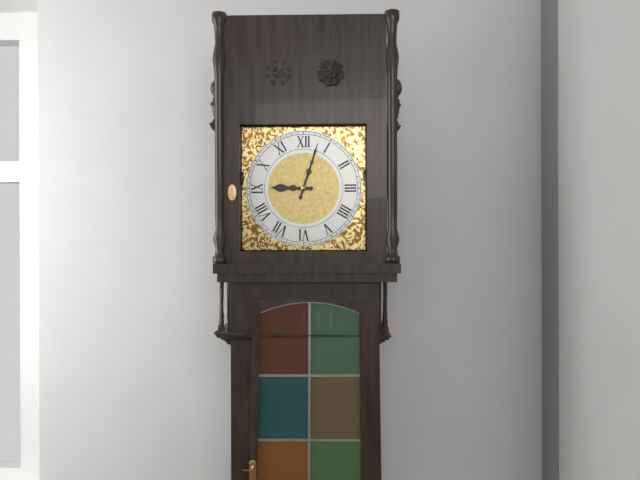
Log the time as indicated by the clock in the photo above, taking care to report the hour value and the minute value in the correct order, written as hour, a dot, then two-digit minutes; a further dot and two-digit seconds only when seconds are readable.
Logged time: 9.03
